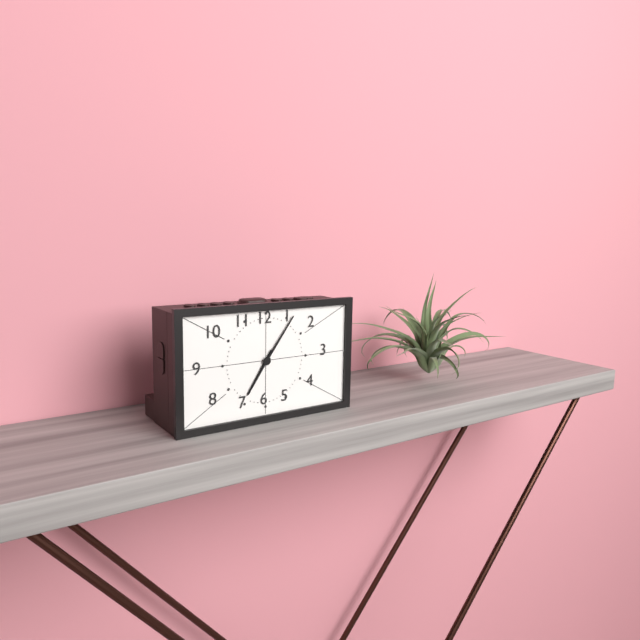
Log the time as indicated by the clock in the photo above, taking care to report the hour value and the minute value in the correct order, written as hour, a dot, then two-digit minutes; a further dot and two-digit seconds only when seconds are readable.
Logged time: 7.06
